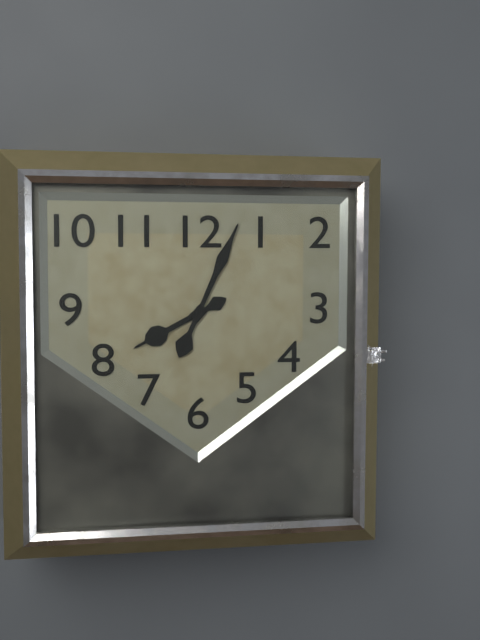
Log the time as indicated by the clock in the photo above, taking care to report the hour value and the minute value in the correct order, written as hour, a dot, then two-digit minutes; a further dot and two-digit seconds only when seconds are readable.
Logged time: 8.04
